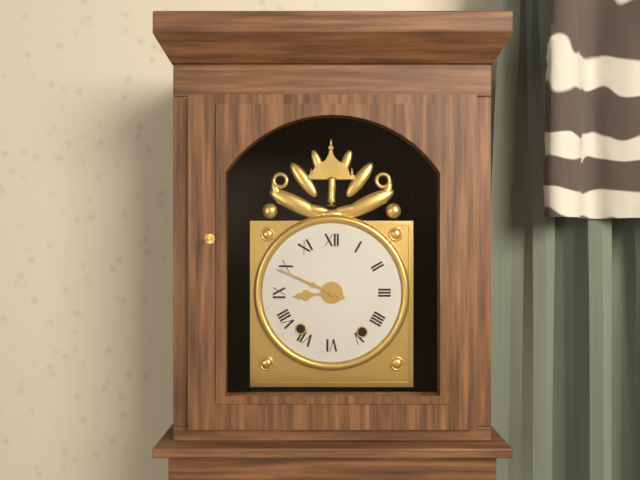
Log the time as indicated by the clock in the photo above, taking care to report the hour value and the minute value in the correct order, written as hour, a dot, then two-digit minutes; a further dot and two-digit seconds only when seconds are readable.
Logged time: 8.49
